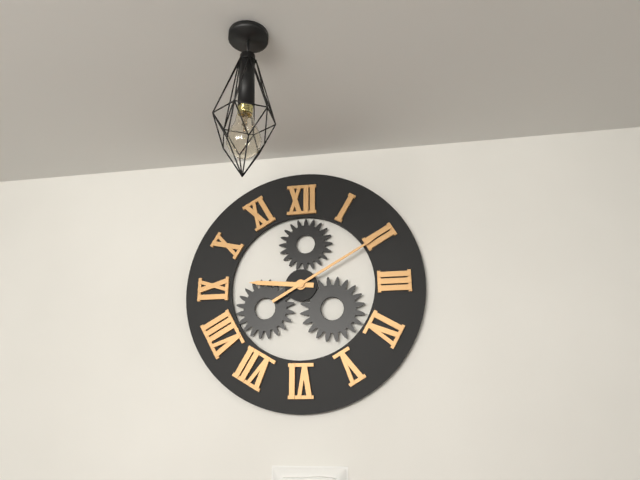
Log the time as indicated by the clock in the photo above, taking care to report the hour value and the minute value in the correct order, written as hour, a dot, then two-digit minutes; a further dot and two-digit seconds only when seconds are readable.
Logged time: 9.10
